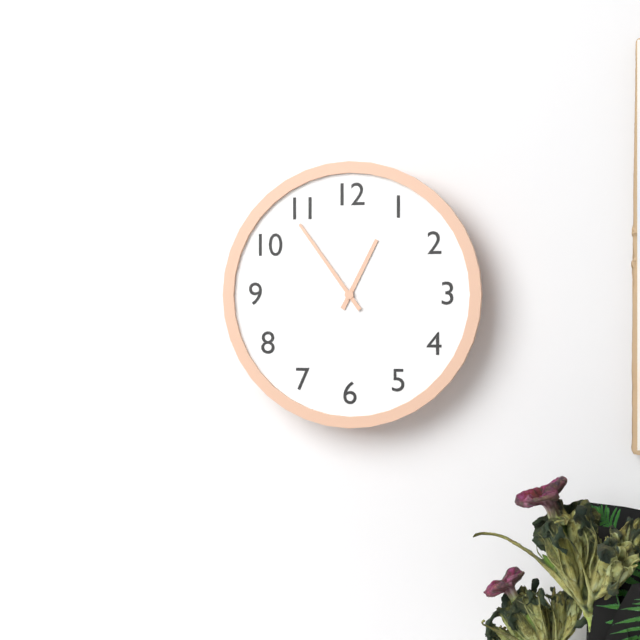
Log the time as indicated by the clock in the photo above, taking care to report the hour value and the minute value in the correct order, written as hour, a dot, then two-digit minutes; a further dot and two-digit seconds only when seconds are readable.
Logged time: 12.54
